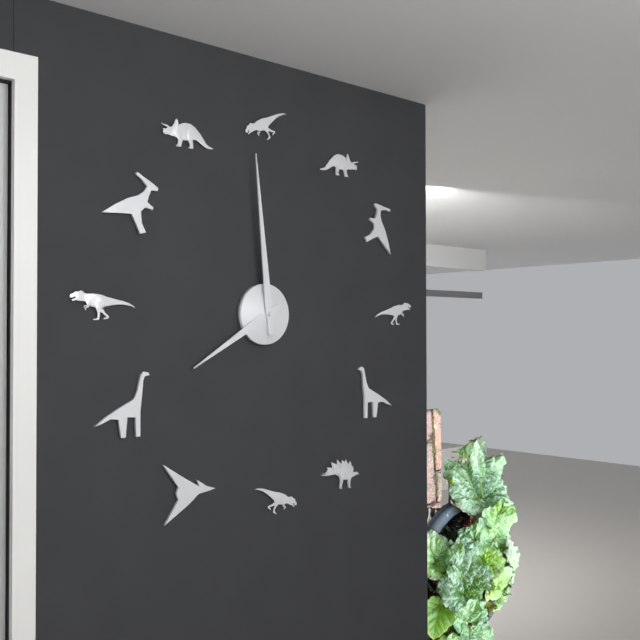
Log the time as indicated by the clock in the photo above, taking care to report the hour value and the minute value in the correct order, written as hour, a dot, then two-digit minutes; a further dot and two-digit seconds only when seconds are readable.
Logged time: 7.59
